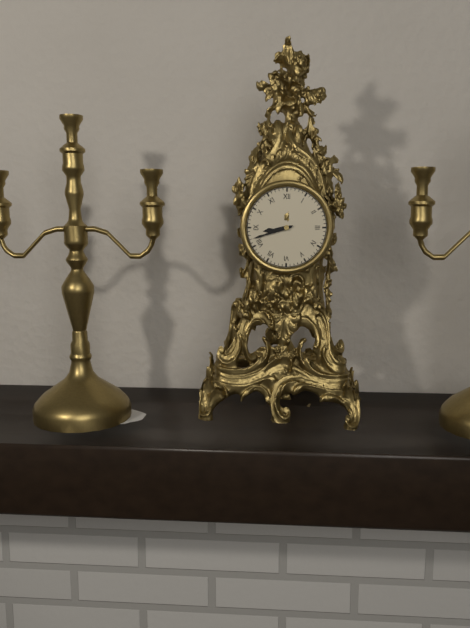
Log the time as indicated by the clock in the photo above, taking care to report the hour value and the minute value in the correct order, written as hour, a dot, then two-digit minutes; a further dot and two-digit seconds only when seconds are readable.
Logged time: 8.42
